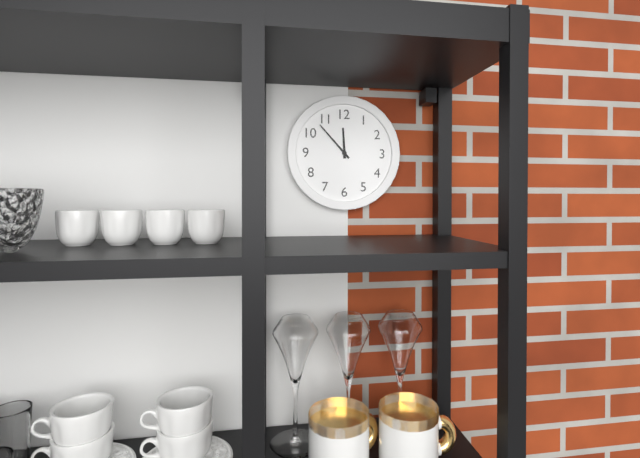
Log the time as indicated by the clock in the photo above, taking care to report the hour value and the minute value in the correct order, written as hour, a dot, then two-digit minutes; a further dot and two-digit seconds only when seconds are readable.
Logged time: 11.53
